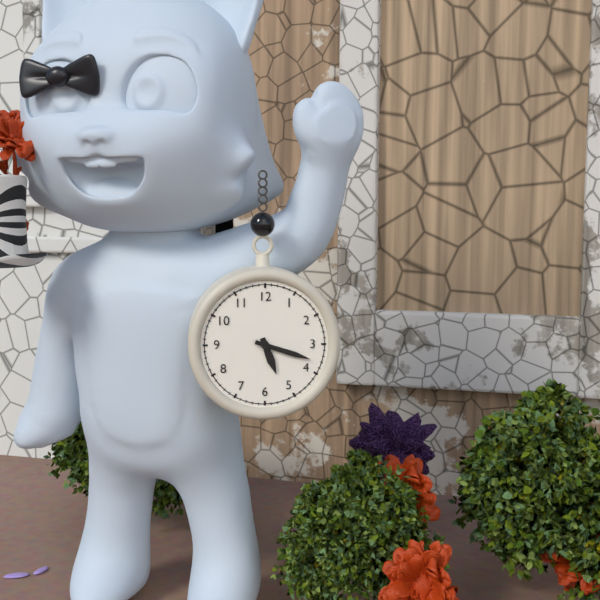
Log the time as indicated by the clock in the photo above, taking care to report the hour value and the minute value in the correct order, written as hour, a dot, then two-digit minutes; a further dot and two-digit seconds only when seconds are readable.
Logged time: 5.18
